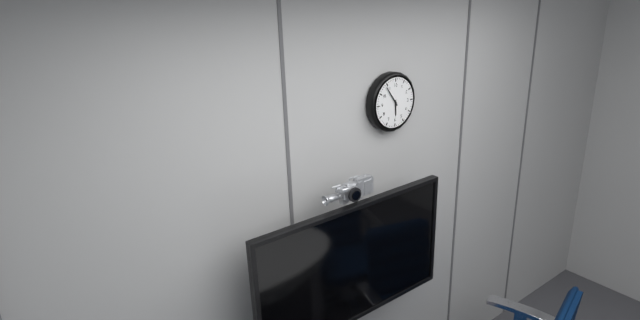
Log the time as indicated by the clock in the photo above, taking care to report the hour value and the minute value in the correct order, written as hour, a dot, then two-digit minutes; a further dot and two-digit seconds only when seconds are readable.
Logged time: 5.54
